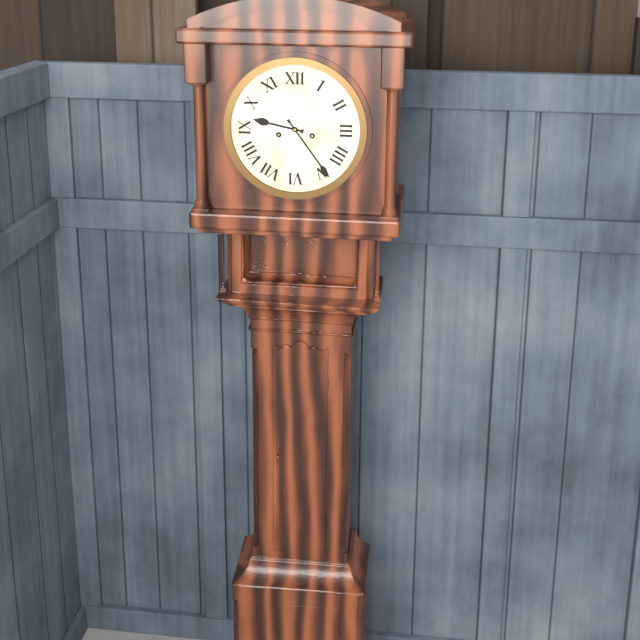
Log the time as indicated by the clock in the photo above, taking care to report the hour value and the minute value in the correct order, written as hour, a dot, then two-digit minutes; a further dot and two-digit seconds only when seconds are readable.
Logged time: 9.24
